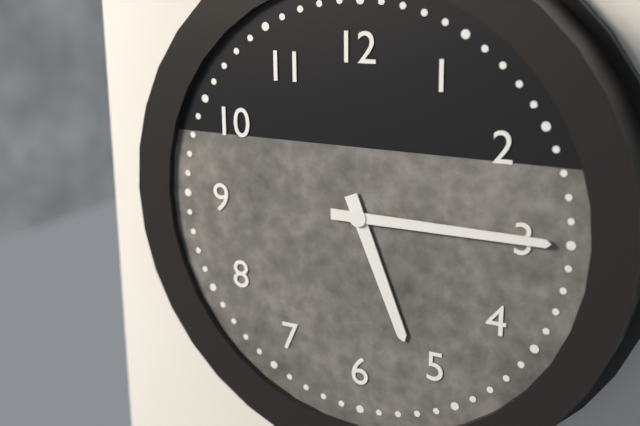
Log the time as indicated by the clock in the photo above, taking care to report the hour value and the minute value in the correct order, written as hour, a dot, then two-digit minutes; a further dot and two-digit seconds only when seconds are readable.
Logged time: 5.15
